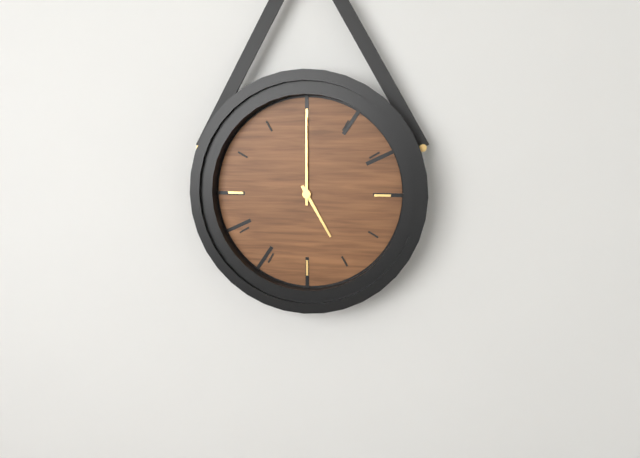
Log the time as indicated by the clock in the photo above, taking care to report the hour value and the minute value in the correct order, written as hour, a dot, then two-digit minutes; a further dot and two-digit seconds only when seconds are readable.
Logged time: 5.00
